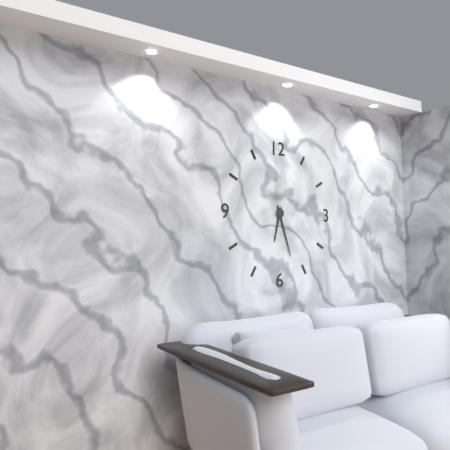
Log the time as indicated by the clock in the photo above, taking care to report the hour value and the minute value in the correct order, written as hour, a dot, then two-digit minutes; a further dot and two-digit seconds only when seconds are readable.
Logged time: 6.27
